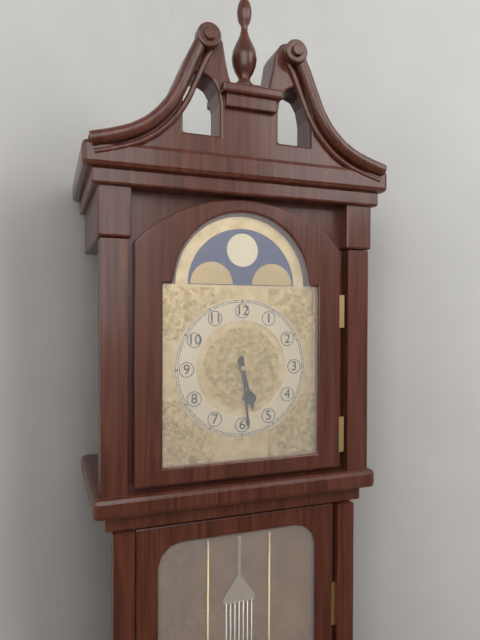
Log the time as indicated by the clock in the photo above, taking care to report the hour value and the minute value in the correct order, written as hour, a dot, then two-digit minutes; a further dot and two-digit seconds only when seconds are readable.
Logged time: 5.29
